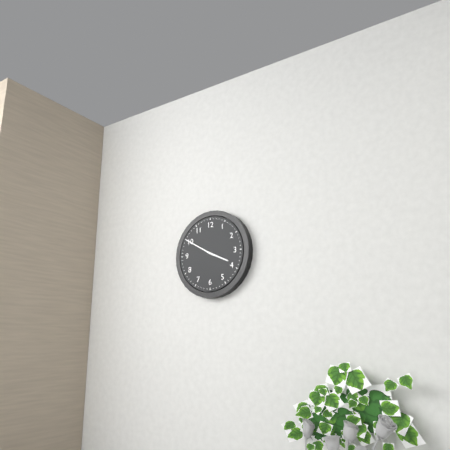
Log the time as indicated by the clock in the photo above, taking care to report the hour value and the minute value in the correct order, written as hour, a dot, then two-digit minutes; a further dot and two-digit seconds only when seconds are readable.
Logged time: 3.50
